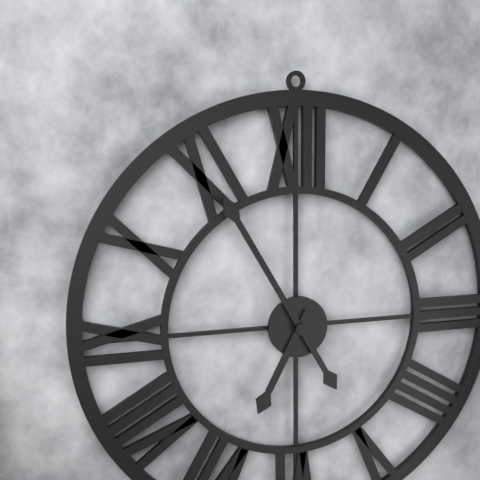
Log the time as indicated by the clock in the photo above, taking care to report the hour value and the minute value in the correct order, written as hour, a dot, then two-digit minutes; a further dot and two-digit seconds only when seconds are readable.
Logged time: 6.55
